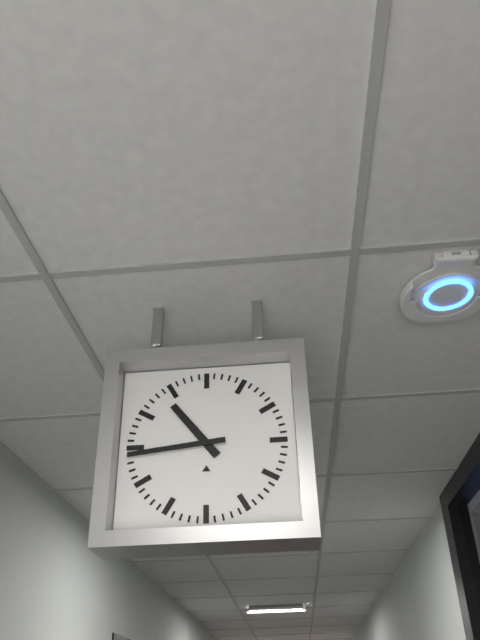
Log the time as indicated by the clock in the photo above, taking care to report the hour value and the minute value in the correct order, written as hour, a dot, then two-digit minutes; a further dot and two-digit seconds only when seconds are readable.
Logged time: 10.44
